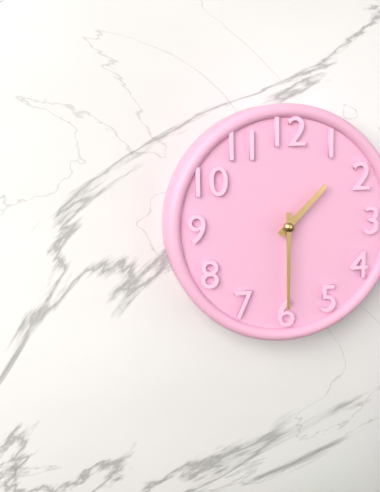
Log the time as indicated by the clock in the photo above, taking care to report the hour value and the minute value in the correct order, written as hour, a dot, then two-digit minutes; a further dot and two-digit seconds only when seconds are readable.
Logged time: 1.30
